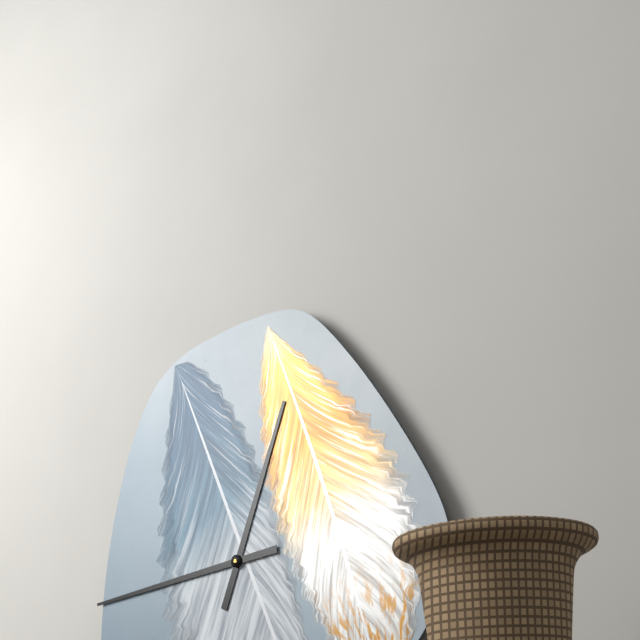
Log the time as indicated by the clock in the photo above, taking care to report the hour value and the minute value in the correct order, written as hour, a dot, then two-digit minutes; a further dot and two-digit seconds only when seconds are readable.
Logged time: 12.44
